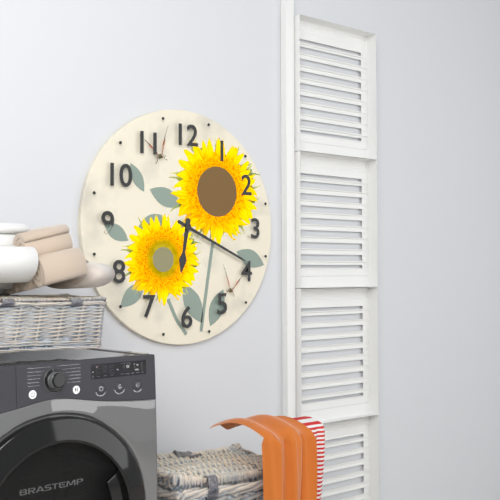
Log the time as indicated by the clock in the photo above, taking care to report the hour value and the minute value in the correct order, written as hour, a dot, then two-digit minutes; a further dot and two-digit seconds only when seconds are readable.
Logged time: 6.19
